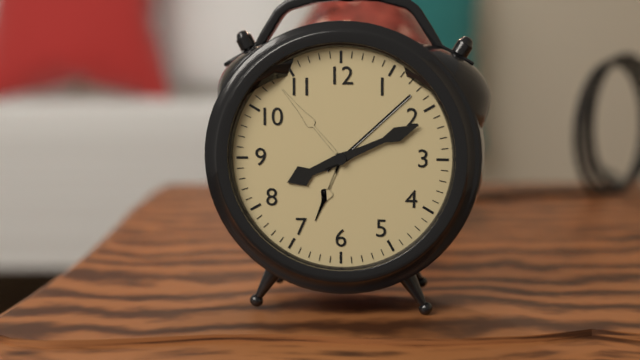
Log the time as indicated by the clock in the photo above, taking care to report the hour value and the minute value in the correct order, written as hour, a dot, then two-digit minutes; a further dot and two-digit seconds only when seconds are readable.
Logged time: 8.11
